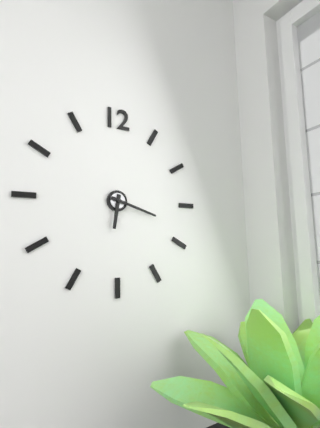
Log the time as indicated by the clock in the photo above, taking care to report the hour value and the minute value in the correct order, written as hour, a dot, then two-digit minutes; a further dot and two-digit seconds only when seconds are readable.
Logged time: 6.18
